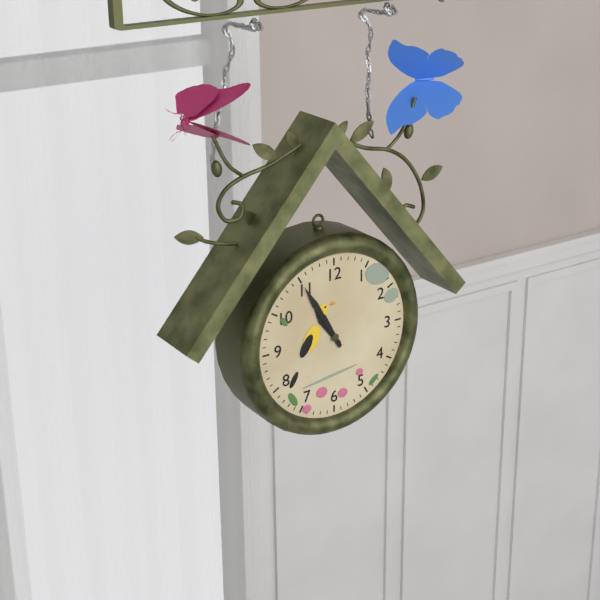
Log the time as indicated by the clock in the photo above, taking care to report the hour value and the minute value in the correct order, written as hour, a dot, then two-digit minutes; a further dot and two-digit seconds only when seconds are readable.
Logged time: 10.55
